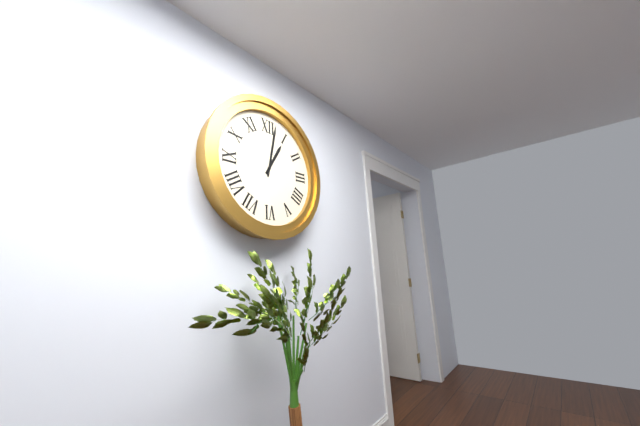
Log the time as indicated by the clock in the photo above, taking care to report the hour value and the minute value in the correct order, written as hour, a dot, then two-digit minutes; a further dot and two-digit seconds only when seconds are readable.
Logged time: 1.02
